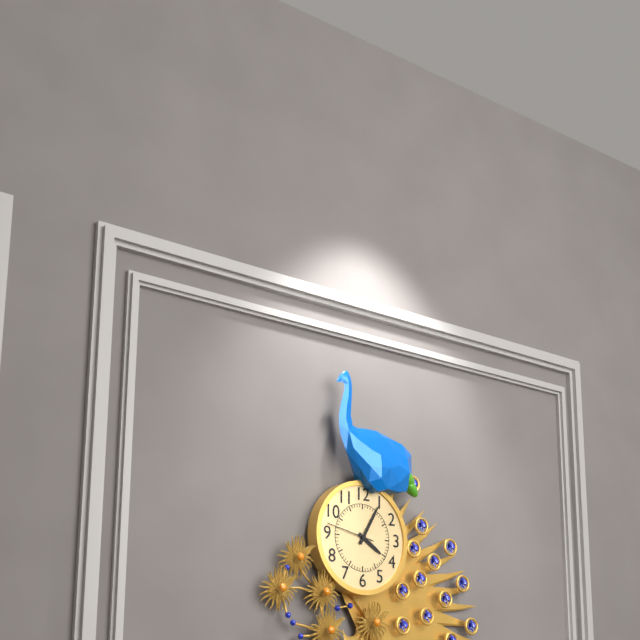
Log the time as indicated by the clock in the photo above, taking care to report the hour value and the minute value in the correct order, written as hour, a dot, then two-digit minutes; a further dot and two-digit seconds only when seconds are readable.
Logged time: 4.05
